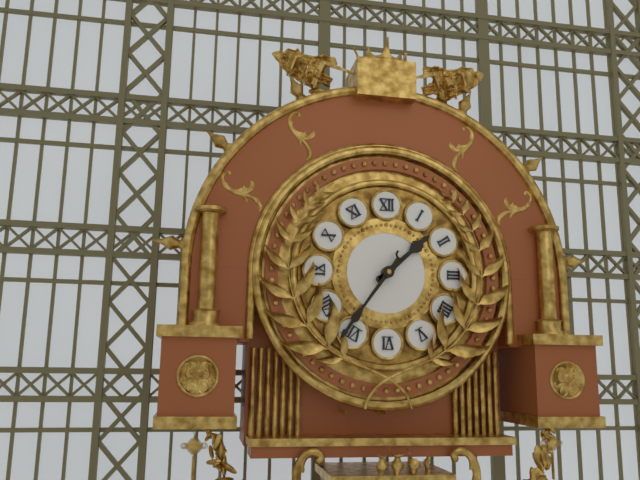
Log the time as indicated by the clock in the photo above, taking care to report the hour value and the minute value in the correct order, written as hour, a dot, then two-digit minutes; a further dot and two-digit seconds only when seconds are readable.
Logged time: 1.36
